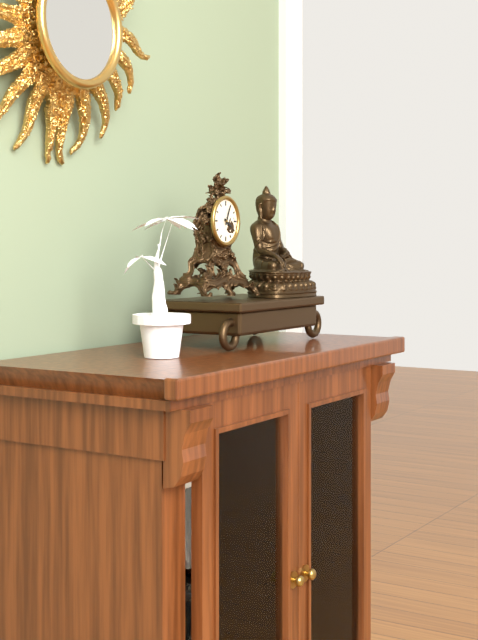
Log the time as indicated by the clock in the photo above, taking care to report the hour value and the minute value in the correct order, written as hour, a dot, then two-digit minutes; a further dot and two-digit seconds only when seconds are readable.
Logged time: 4.04
